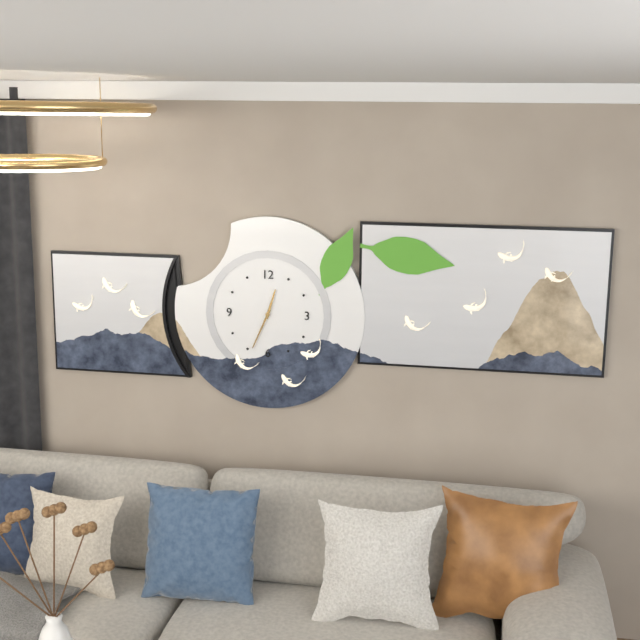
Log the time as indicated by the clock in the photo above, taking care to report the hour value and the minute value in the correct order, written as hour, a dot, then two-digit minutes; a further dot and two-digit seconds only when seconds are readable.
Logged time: 12.34
